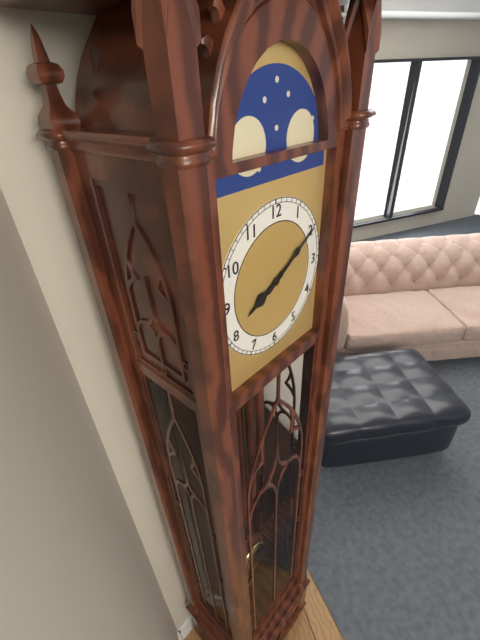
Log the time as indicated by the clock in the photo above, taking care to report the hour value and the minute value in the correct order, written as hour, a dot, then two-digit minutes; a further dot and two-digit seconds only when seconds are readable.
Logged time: 8.10
